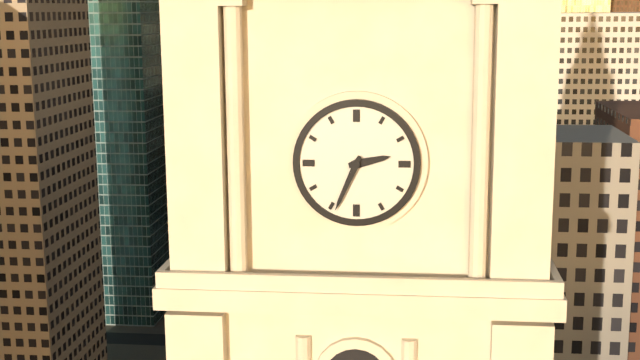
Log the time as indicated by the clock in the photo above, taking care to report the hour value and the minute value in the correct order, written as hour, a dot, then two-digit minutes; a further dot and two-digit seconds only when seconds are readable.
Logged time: 2.34
